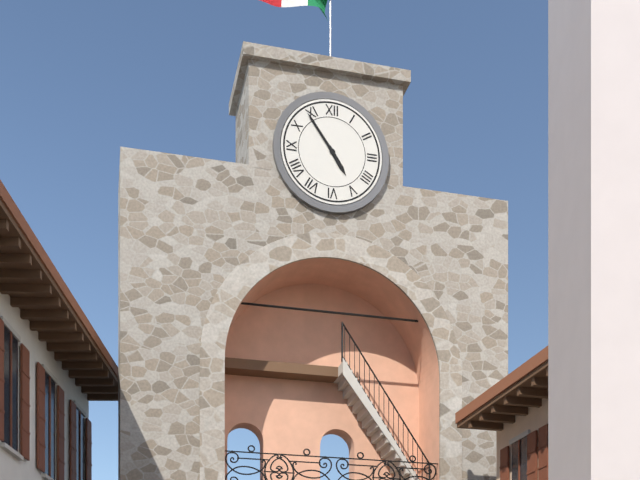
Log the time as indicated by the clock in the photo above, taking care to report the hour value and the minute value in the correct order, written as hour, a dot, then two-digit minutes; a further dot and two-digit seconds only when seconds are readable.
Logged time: 4.54
